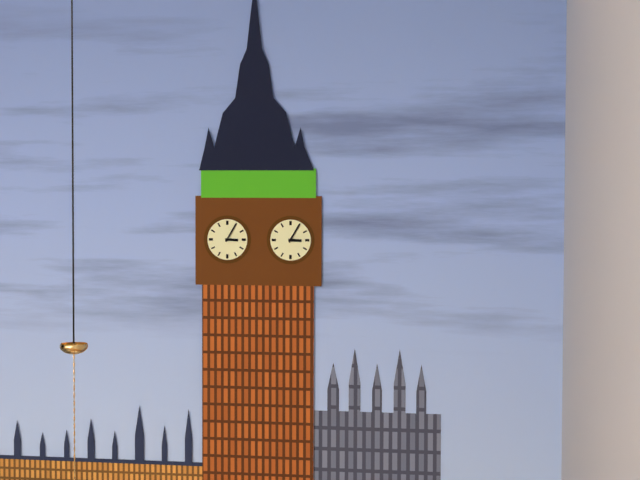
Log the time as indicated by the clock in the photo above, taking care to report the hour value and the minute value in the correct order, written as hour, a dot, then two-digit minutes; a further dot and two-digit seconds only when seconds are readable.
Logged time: 3.05
